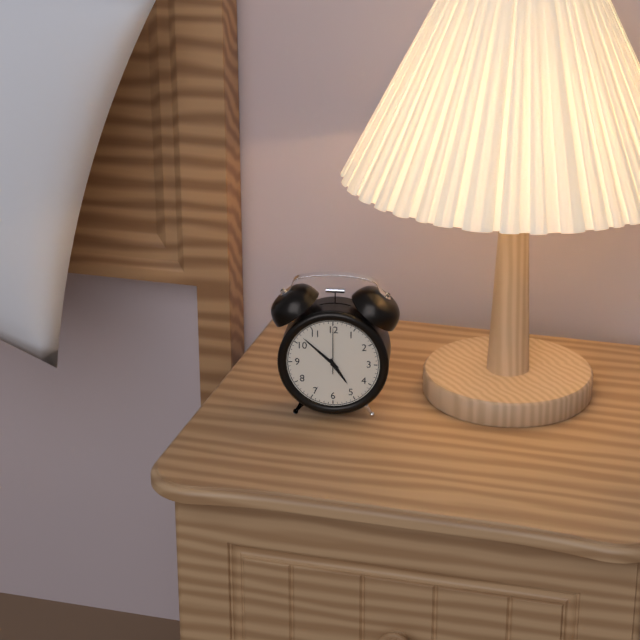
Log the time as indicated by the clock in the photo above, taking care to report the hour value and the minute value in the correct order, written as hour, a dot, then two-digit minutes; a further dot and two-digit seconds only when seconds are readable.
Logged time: 4.52
